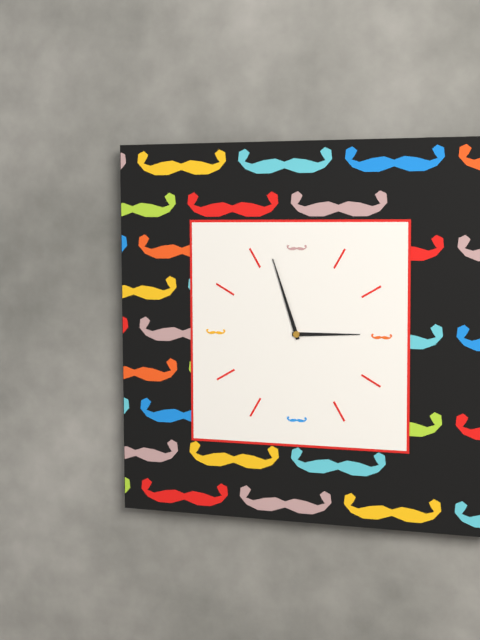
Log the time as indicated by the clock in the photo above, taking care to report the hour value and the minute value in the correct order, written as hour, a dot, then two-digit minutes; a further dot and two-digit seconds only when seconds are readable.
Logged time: 2.57
